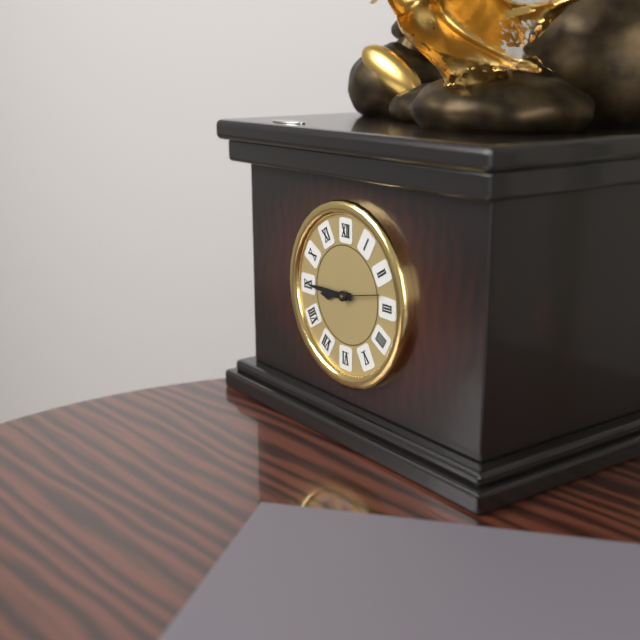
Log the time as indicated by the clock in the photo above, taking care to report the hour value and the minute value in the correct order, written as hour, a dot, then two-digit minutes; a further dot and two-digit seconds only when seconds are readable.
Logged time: 8.45
